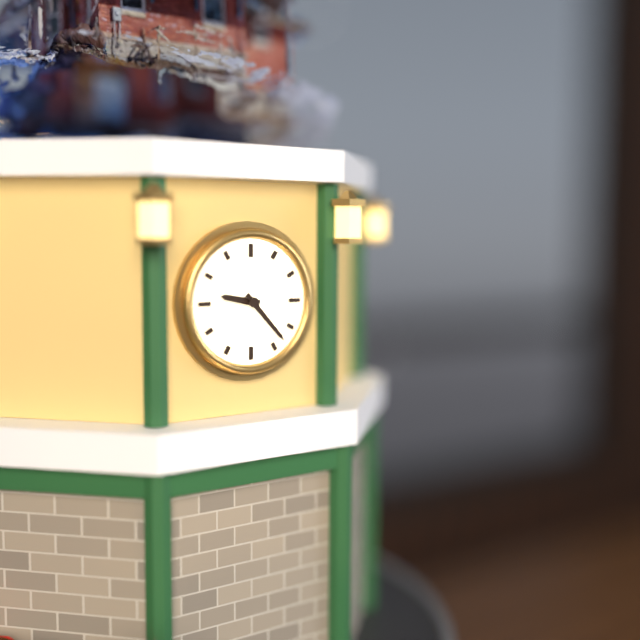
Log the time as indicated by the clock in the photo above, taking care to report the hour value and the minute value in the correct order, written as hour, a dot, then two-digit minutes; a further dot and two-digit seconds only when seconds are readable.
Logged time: 9.23
